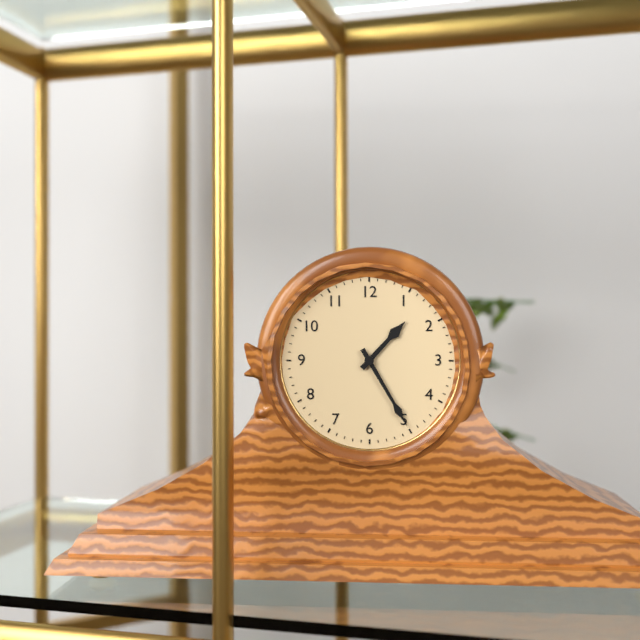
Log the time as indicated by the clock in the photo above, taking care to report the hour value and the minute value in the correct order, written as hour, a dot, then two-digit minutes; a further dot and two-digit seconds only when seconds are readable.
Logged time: 1.25
